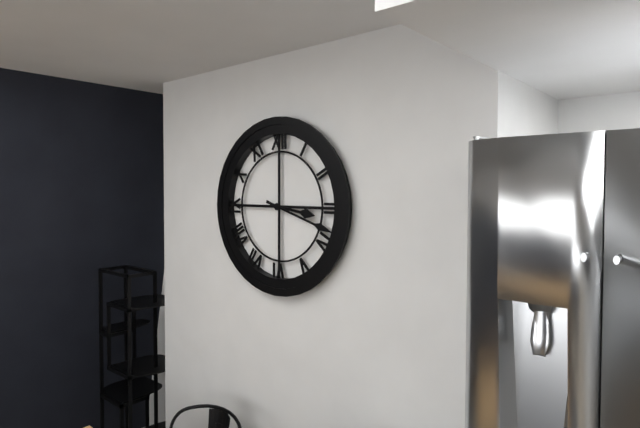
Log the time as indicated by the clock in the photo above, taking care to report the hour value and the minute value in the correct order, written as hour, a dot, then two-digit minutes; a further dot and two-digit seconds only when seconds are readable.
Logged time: 3.18
